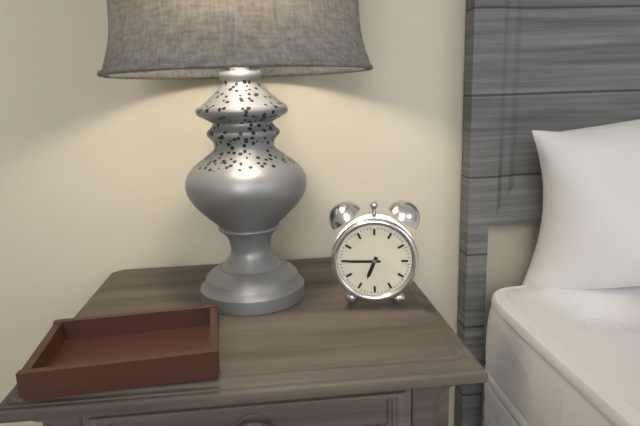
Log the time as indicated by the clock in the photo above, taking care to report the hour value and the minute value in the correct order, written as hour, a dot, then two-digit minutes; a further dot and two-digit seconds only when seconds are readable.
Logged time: 6.45
